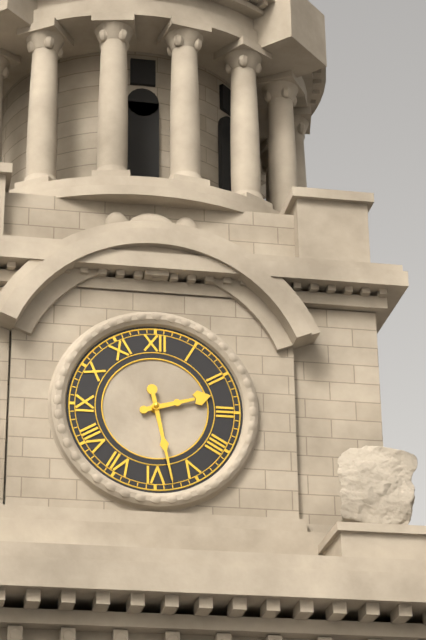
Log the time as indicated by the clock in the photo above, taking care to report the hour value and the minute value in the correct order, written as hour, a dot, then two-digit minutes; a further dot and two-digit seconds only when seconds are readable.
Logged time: 2.28
